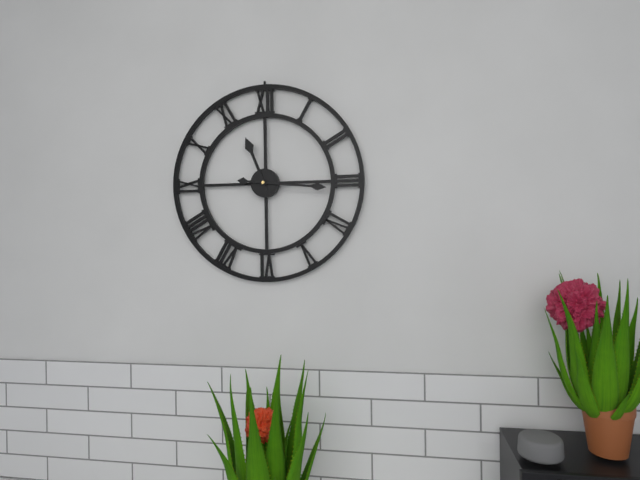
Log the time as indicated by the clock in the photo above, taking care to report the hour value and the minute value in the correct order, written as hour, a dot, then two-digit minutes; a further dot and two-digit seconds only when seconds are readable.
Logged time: 11.16
